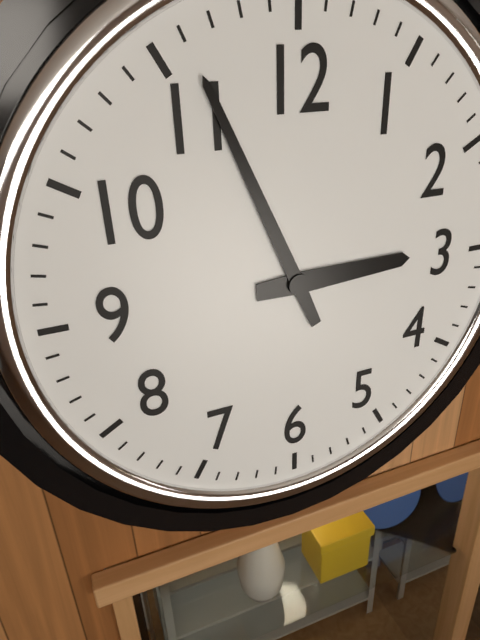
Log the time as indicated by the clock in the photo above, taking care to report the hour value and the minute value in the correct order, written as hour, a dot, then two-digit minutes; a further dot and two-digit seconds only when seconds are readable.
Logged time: 2.56
